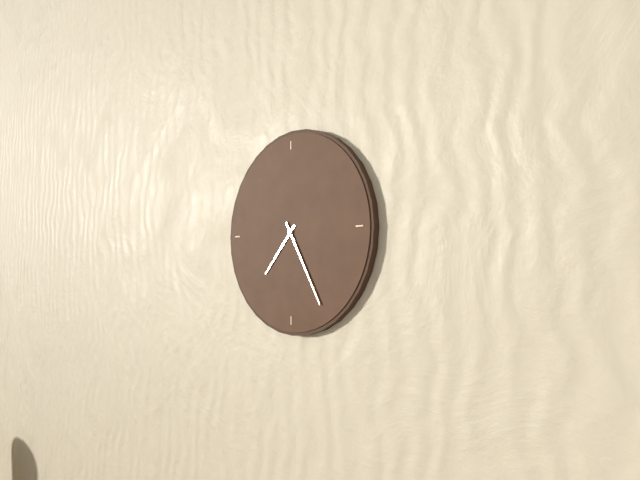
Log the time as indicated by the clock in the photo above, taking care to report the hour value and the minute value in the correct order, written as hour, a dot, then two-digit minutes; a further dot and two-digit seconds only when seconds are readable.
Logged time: 7.25
